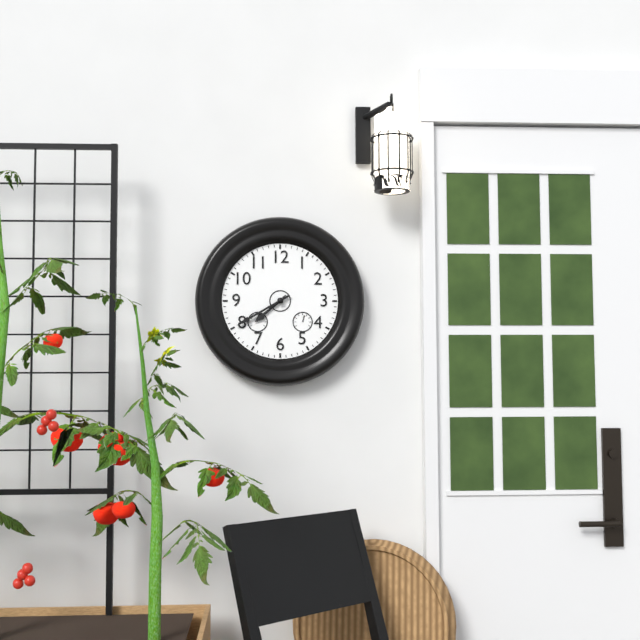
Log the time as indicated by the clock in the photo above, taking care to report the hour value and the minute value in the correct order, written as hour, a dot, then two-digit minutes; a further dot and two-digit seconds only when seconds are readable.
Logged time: 7.40
